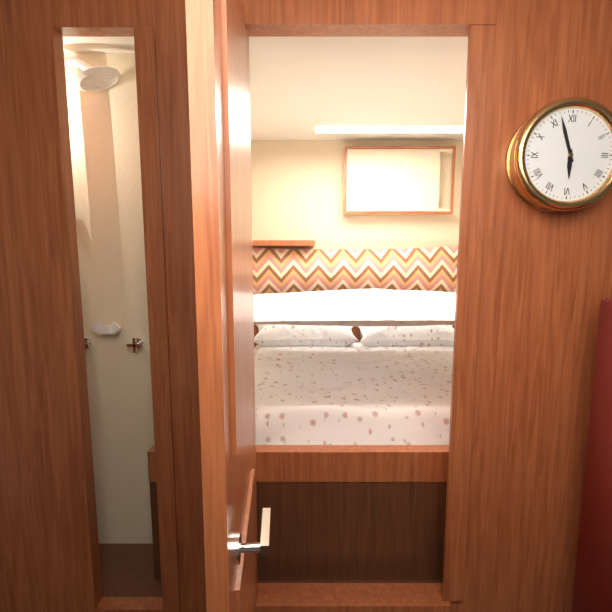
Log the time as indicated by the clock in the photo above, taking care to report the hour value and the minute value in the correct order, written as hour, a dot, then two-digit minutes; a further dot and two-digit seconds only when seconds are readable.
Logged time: 5.57
